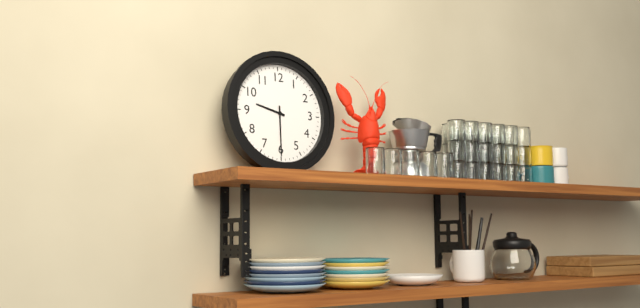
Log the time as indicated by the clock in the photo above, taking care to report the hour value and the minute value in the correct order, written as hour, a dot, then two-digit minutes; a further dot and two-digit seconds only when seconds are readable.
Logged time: 9.30
